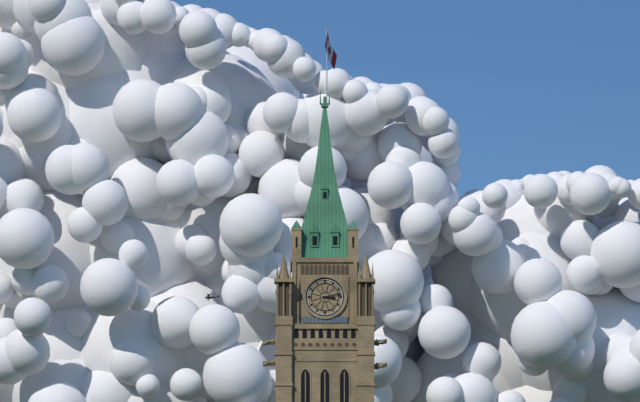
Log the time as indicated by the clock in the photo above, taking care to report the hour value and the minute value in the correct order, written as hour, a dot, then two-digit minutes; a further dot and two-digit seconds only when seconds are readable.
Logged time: 3.13
